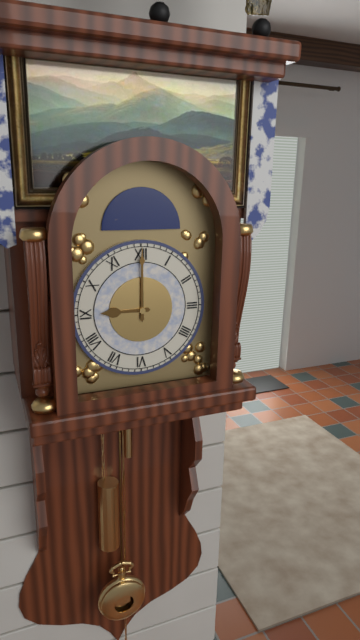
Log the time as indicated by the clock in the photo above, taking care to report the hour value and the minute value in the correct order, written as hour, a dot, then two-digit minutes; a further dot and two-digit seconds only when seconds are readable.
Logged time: 9.00
